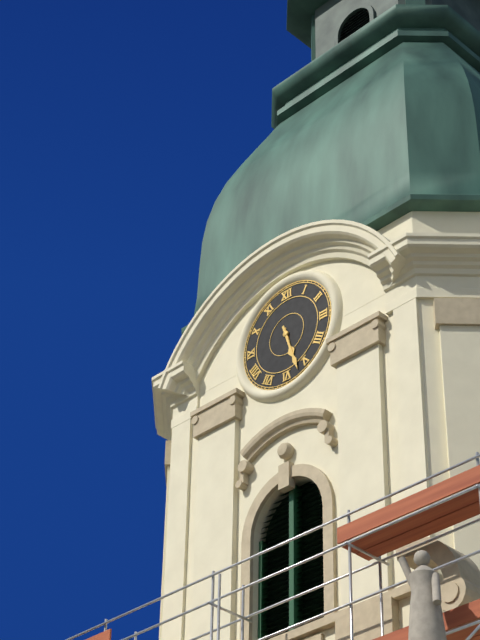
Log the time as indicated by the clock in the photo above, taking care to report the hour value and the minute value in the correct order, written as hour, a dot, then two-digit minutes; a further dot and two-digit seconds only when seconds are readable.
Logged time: 5.27
